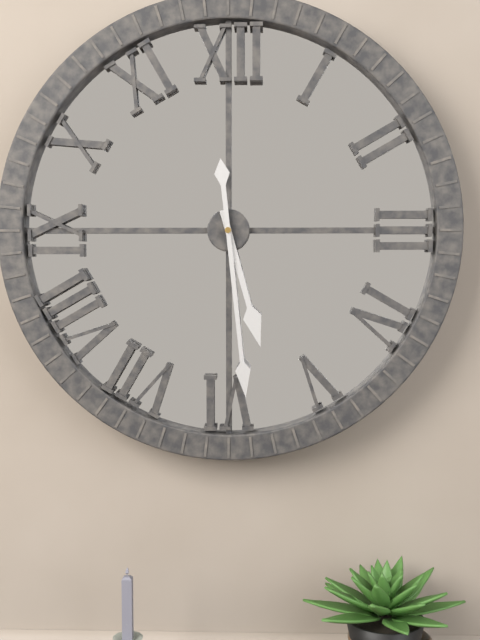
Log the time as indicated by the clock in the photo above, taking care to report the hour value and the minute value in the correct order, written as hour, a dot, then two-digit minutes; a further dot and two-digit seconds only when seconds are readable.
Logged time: 5.29
